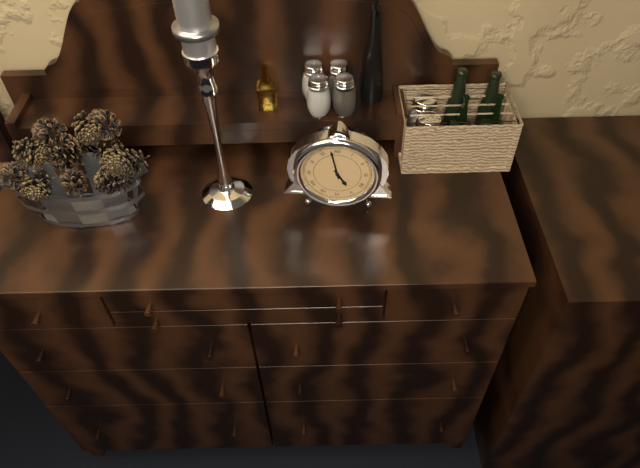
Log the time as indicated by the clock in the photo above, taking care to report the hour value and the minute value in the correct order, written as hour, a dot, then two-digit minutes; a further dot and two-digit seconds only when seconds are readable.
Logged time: 4.58
